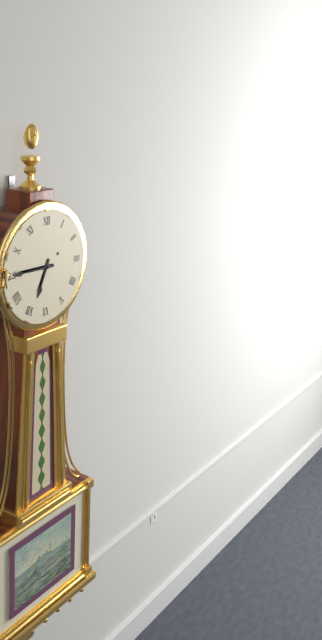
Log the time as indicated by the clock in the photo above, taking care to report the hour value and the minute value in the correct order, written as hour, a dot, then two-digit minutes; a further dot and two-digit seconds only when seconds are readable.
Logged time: 6.45
